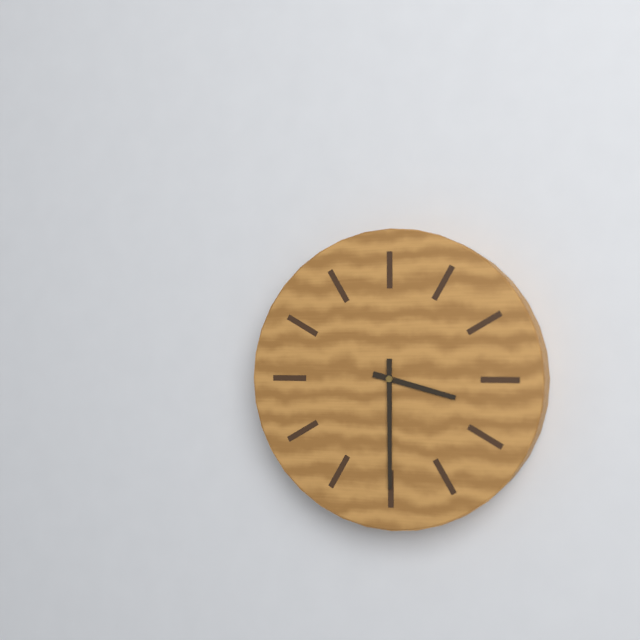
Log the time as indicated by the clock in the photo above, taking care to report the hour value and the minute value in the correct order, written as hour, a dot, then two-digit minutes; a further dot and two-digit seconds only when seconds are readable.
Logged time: 3.30
